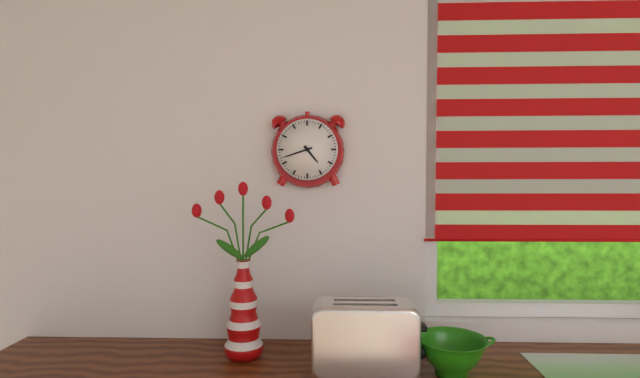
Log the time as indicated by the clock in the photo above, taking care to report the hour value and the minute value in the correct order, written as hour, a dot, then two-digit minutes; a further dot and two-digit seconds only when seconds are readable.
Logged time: 4.42
